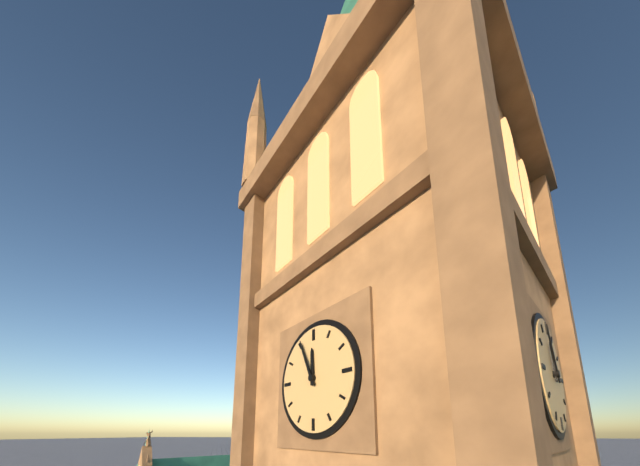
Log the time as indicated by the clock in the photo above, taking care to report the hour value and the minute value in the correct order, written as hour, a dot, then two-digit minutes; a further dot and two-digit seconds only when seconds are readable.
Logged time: 11.56
